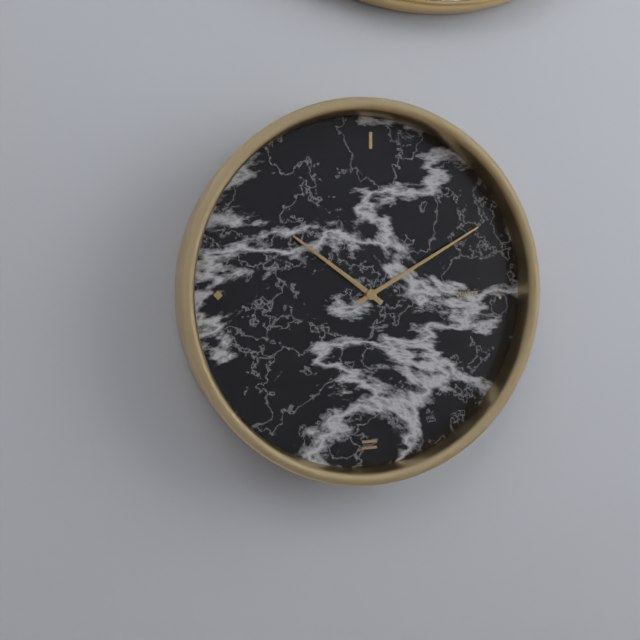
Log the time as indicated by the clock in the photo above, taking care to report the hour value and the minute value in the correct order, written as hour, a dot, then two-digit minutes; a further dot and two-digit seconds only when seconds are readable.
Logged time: 10.10
